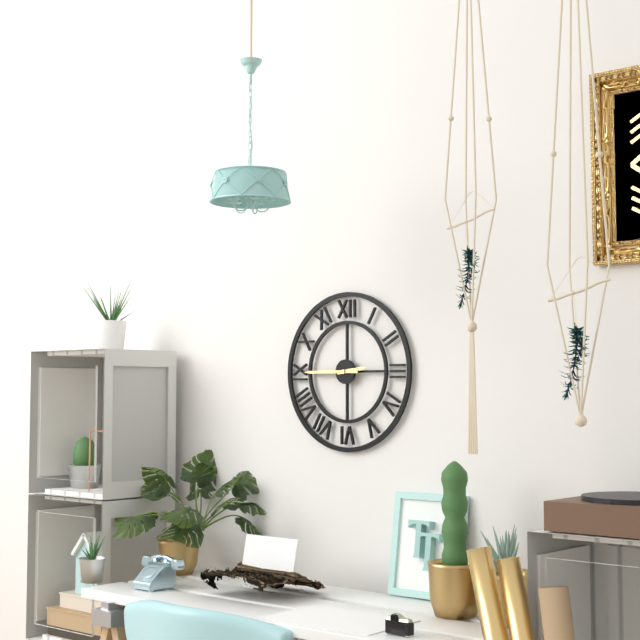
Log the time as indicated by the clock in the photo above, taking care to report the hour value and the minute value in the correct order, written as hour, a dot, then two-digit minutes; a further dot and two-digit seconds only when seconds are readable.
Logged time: 2.45
